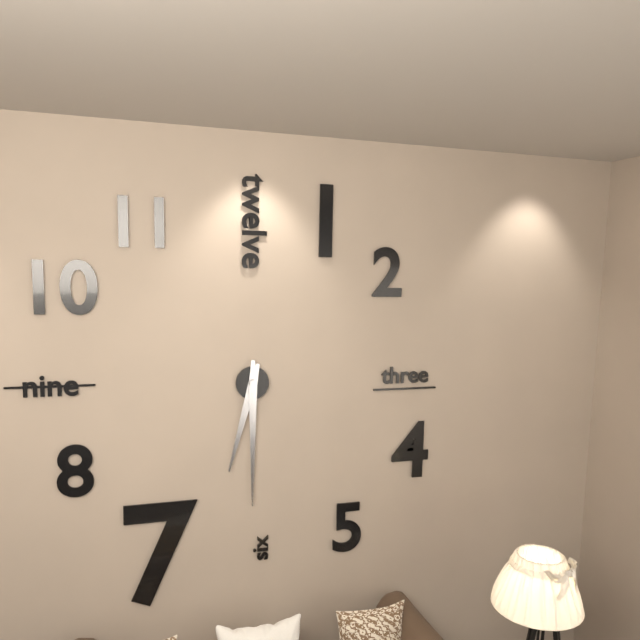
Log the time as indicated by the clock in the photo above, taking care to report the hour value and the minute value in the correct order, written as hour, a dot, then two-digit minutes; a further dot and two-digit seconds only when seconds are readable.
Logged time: 6.30
